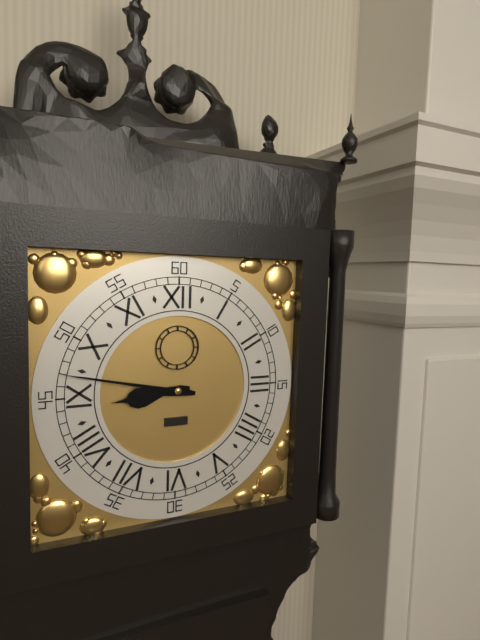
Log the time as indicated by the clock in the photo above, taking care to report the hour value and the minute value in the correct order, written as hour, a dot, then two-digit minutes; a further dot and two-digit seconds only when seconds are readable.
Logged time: 8.47
